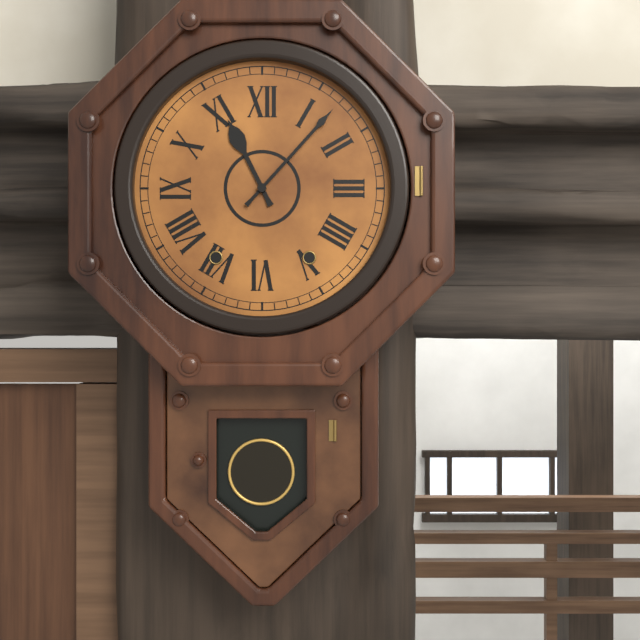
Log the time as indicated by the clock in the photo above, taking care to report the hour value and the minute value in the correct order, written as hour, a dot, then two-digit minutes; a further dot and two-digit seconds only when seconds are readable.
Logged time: 11.07
